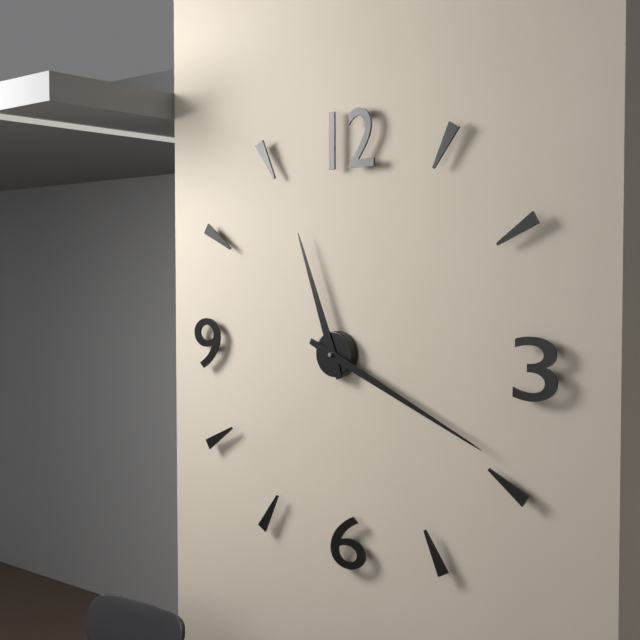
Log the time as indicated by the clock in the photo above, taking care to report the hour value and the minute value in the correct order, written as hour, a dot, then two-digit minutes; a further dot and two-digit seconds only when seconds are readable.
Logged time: 11.19
